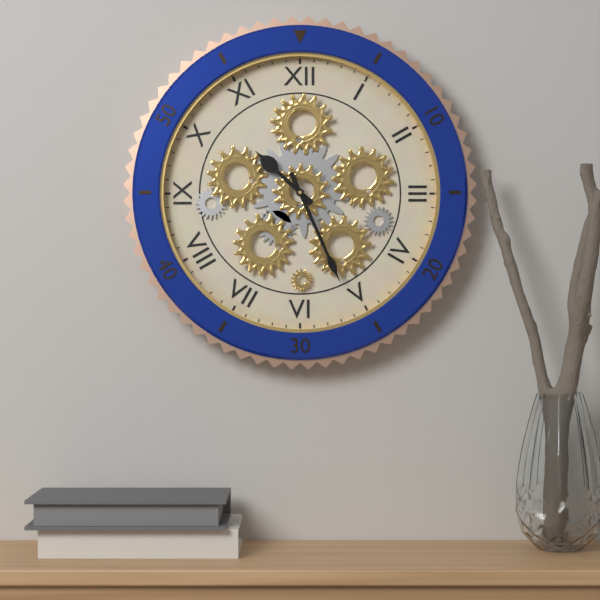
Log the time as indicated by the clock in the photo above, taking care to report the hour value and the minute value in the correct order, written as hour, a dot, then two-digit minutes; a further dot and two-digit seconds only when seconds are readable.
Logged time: 10.26
